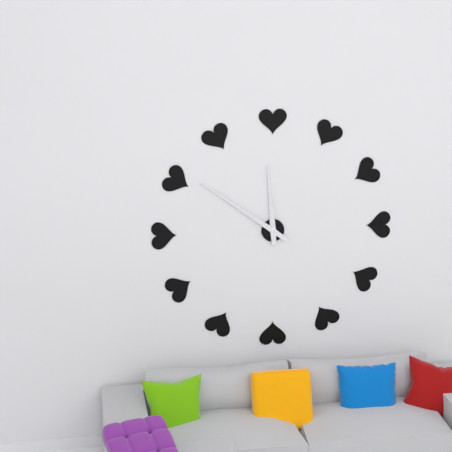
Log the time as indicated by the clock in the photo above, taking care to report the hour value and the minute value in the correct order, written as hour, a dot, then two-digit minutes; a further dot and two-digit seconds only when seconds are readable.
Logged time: 11.51
